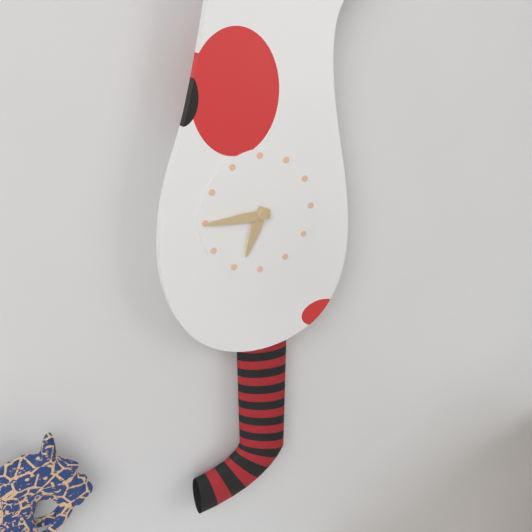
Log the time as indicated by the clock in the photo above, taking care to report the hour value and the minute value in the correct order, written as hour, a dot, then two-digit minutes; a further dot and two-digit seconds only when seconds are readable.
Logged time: 6.45
